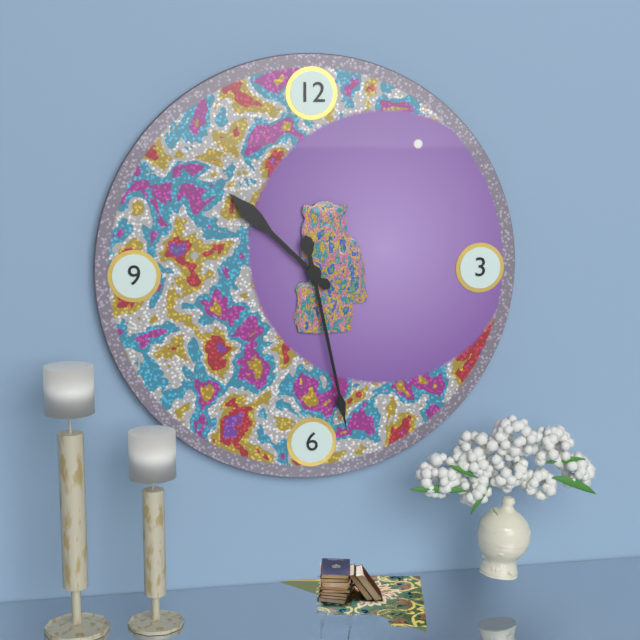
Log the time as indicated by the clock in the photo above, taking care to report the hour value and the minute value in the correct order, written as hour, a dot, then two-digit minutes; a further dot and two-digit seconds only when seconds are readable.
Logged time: 10.28
